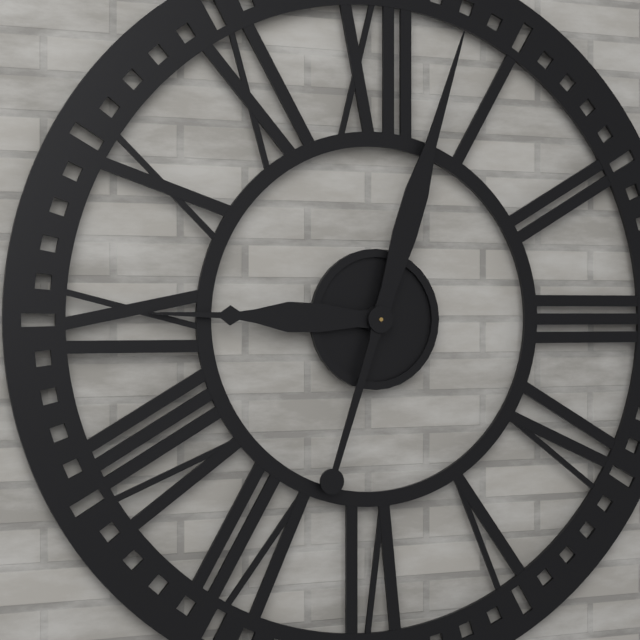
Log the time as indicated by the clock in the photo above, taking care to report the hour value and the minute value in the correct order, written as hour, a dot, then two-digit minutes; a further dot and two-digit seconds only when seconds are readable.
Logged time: 9.03
